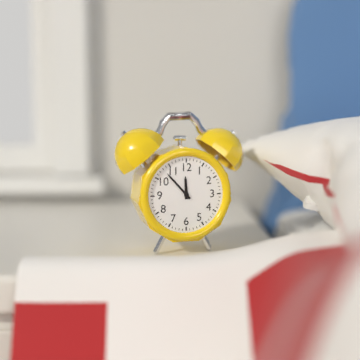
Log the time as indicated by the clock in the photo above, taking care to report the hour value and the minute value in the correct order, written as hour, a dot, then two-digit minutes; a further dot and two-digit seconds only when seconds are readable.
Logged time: 11.53
